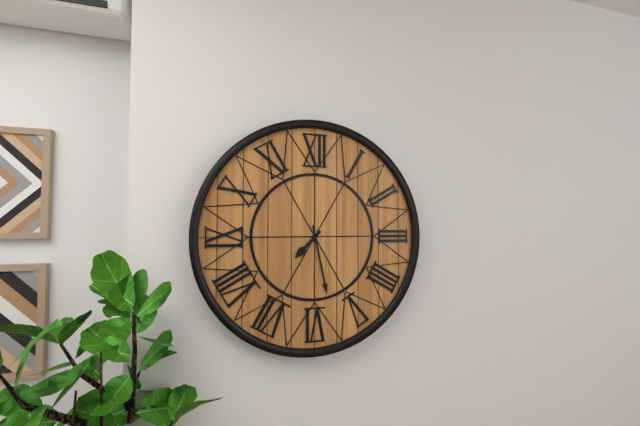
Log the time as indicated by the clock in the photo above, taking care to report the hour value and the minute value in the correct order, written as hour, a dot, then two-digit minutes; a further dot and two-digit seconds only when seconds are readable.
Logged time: 7.28
